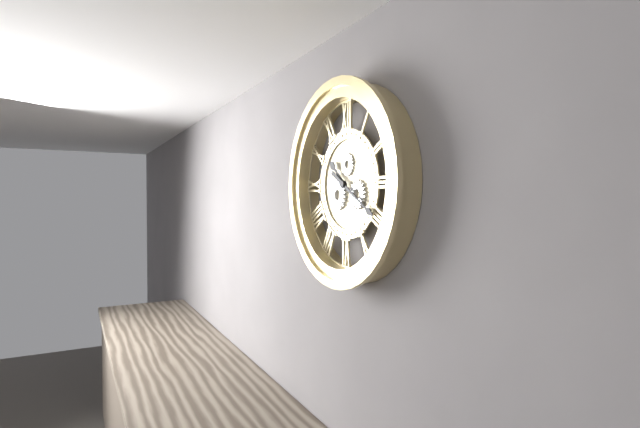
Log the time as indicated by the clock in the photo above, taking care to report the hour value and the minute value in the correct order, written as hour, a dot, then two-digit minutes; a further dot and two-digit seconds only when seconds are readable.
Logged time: 10.20
